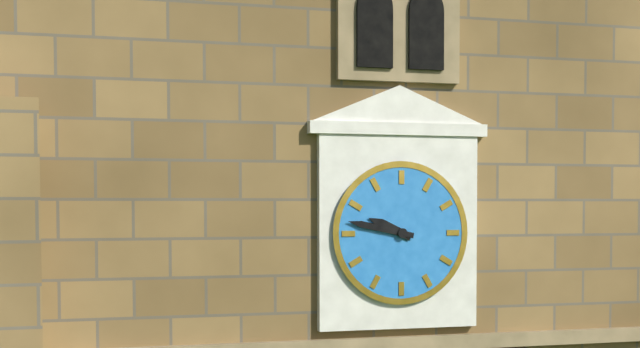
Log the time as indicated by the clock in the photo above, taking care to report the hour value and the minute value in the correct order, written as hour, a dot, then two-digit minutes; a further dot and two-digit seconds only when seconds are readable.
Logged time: 9.47
